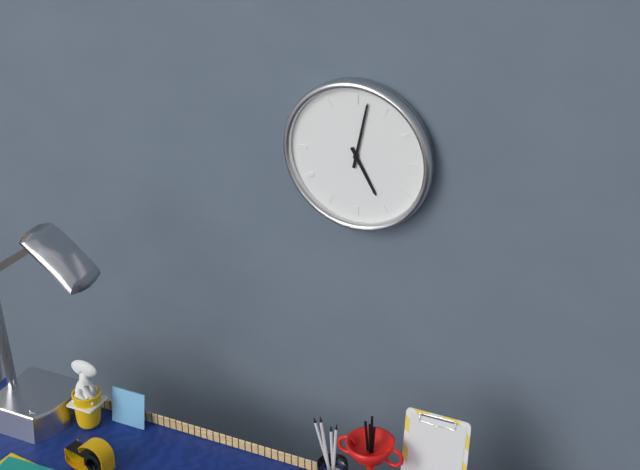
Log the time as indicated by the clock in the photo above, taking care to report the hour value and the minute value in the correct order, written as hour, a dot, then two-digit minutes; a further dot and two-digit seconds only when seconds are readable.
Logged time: 5.02
